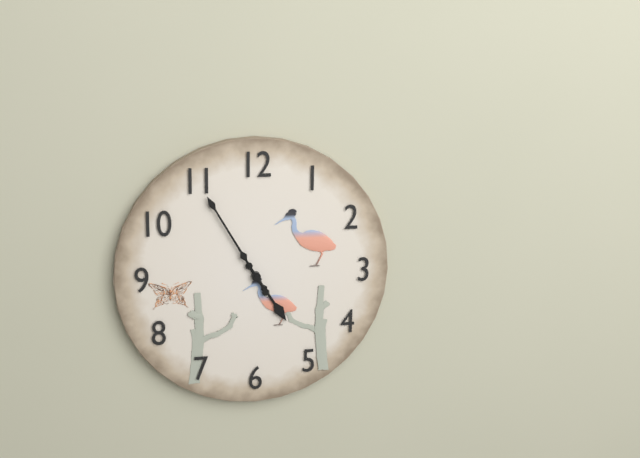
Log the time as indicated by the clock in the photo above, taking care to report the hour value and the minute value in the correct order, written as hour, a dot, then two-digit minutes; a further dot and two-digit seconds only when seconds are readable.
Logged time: 4.55
